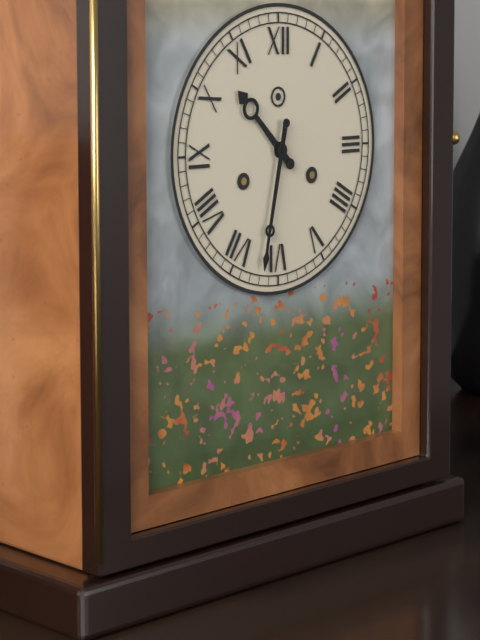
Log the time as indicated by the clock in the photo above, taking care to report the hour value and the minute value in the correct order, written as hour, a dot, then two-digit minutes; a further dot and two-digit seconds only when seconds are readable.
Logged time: 10.32
